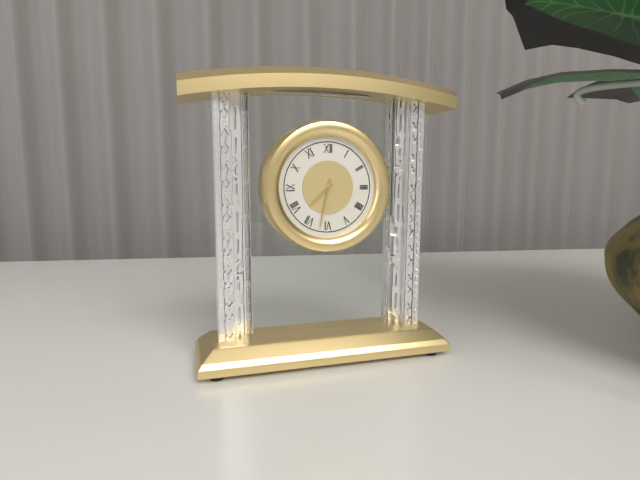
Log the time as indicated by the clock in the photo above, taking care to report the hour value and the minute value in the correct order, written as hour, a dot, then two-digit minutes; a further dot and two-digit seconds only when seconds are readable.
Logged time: 7.32
